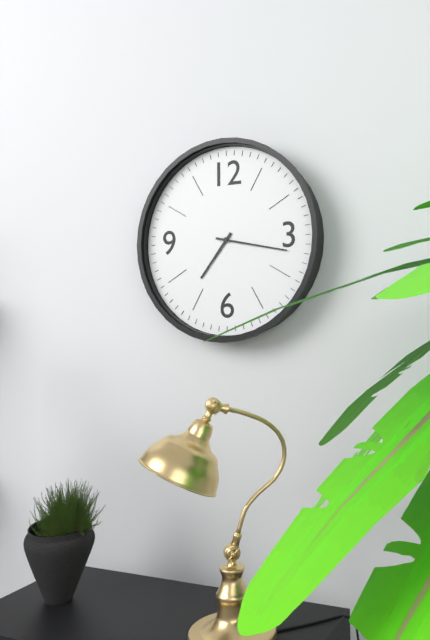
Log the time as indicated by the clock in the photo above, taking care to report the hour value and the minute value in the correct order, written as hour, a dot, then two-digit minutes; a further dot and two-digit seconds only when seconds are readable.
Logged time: 7.17
